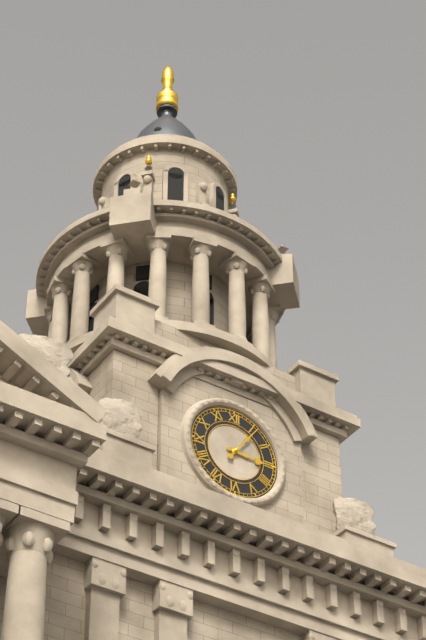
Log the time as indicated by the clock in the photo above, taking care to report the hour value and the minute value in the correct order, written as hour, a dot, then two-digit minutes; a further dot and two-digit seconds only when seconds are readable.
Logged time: 3.06
